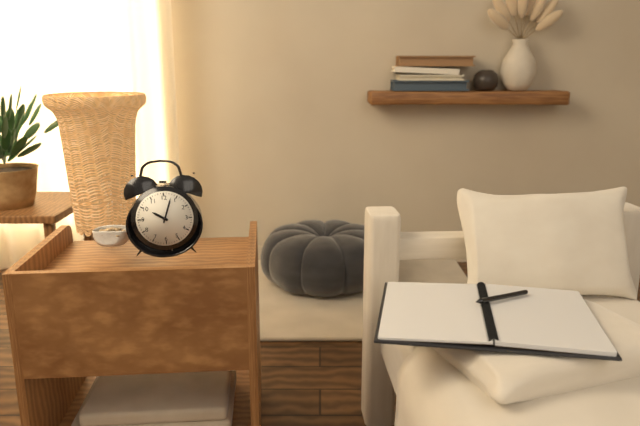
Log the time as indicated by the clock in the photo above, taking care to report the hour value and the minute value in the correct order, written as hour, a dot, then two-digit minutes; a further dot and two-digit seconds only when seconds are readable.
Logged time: 10.03
